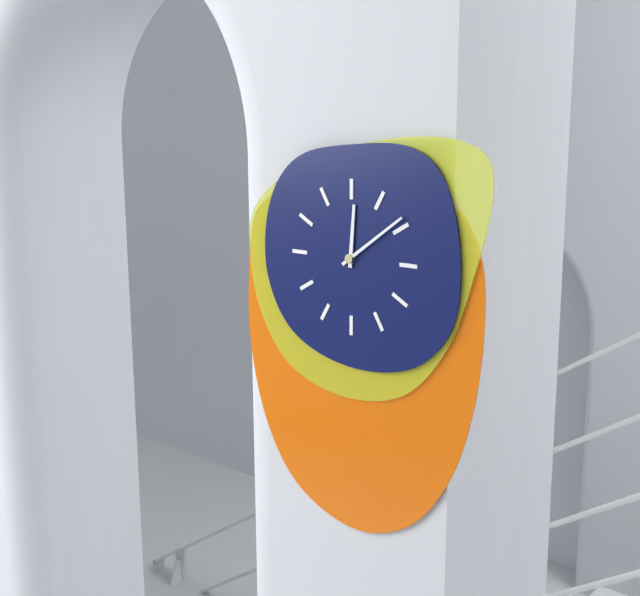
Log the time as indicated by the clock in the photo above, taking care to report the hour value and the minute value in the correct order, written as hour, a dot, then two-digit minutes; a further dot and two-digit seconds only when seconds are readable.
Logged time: 12.09
